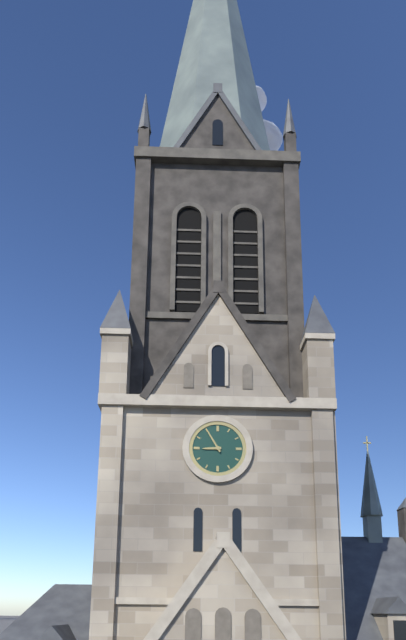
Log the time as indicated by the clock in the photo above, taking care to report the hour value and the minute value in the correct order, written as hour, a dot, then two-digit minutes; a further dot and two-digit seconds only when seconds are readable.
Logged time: 8.55
